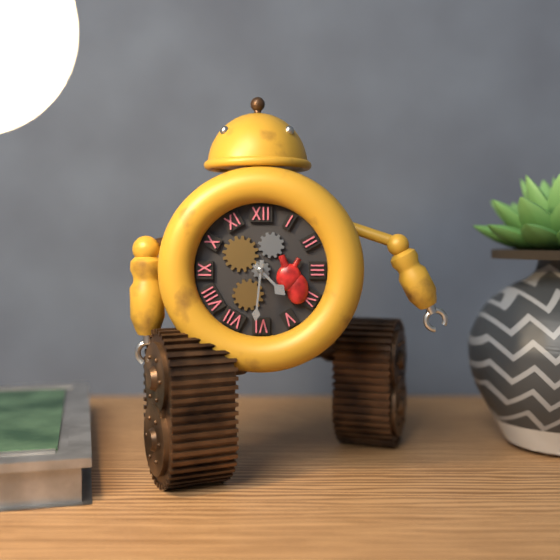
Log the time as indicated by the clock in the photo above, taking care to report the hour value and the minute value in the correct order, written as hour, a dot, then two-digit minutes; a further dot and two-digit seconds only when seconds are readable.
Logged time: 4.31
